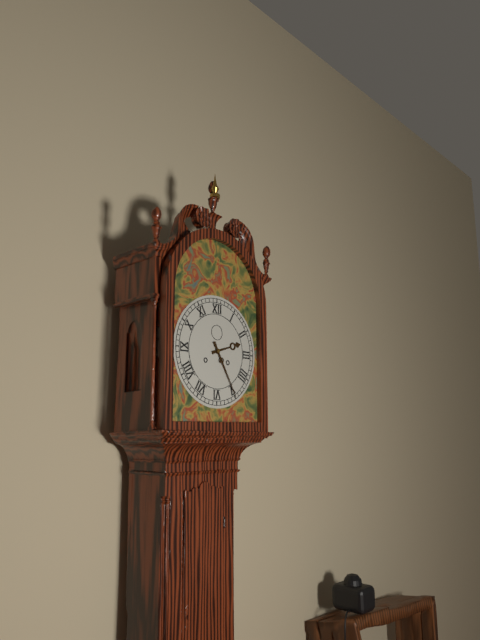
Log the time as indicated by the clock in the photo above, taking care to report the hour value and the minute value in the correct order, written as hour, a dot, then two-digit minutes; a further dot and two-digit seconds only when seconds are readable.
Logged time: 2.25
